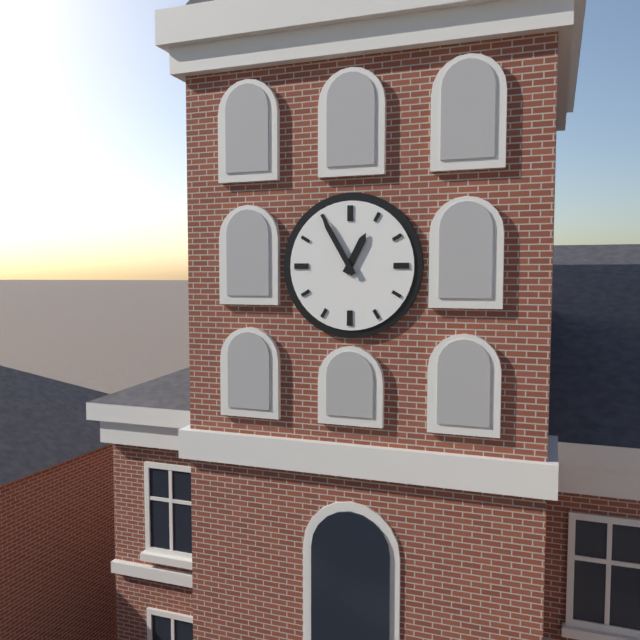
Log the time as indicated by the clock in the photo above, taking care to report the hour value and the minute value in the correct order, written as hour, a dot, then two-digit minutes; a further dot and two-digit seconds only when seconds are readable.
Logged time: 12.55
